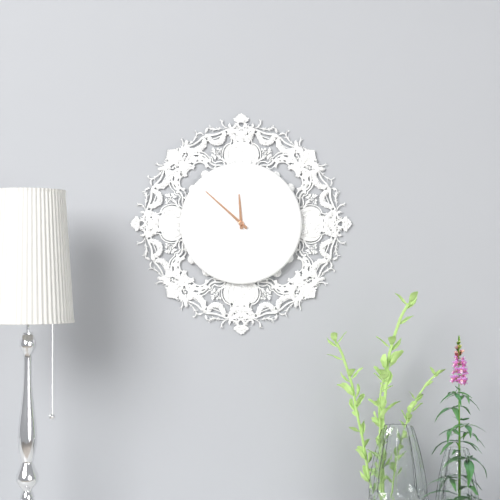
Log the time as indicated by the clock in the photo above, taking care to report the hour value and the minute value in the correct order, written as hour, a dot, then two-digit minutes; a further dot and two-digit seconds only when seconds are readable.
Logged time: 11.52
